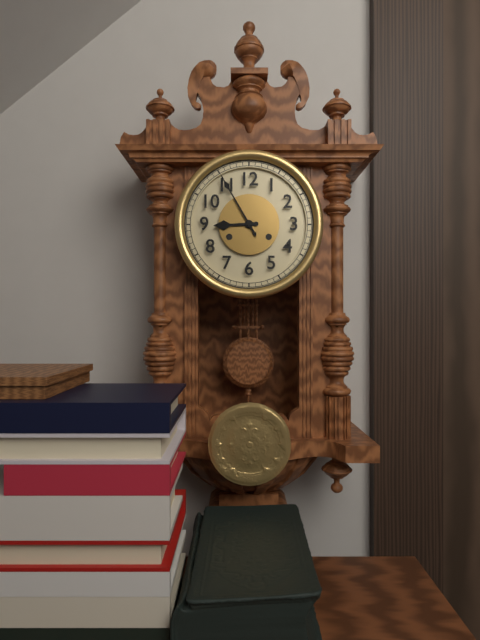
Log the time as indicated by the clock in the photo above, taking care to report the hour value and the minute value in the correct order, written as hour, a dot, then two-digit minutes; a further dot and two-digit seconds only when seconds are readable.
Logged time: 8.55
